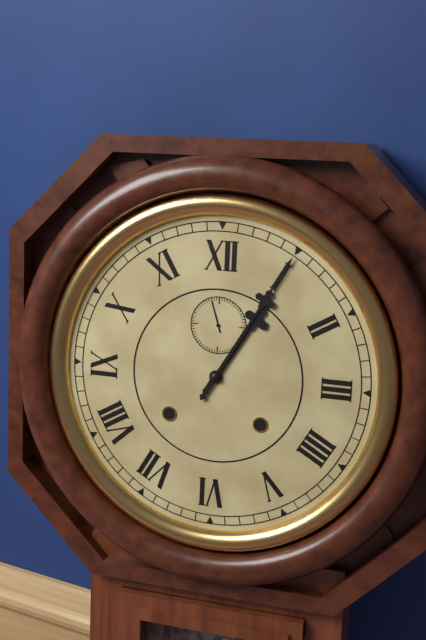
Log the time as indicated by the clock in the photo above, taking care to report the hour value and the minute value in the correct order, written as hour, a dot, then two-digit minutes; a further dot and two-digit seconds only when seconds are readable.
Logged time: 1.05
